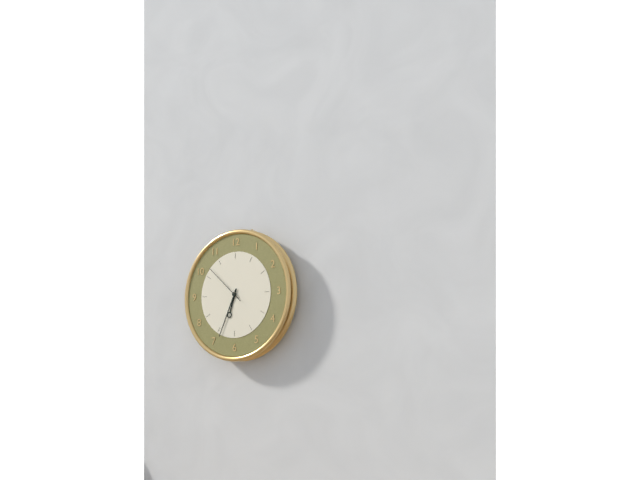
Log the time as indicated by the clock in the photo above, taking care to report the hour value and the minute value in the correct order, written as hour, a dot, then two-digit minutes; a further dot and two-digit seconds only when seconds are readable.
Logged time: 6.34
